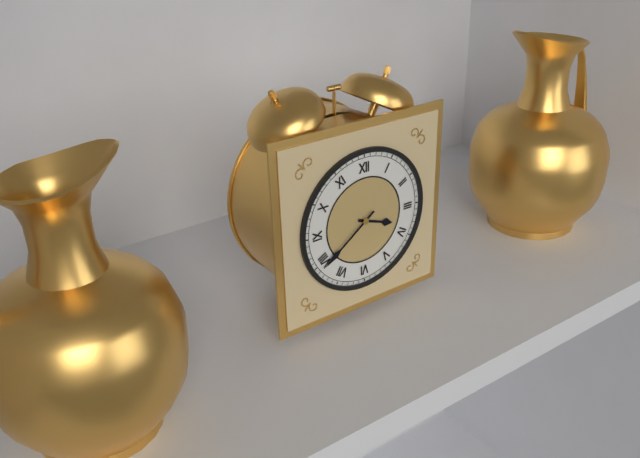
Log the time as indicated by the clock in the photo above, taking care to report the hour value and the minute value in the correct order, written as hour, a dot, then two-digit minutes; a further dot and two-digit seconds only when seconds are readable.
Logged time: 3.39
